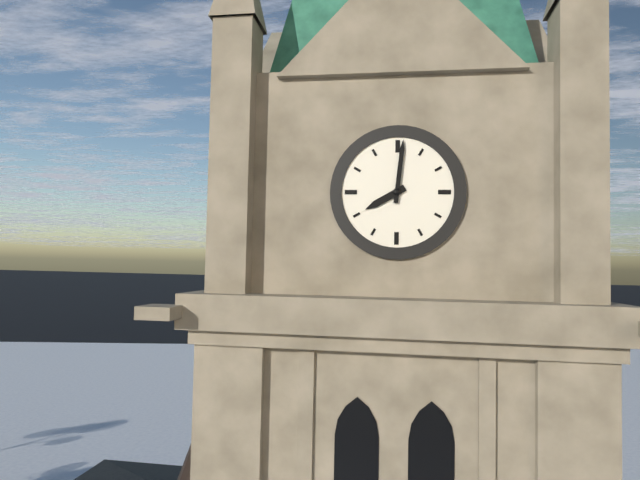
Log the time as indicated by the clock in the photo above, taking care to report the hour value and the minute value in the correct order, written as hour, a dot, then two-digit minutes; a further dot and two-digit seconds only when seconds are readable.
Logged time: 8.01
